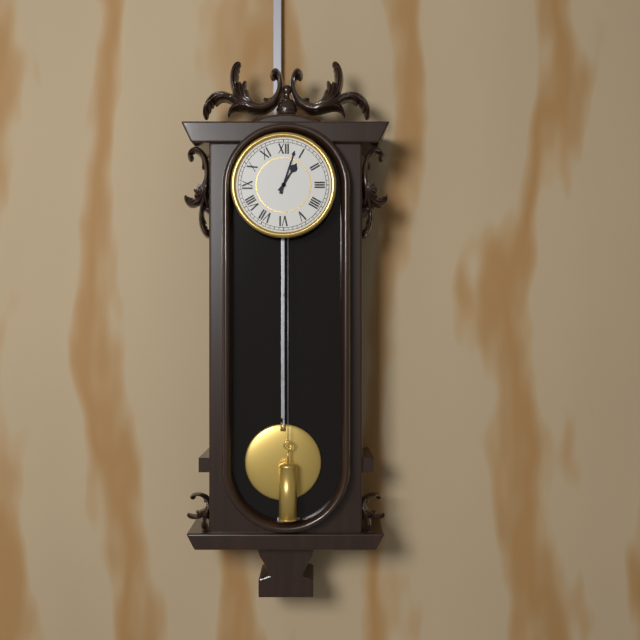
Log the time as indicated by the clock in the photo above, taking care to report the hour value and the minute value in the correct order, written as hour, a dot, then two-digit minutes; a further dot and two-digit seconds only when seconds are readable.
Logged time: 1.03
